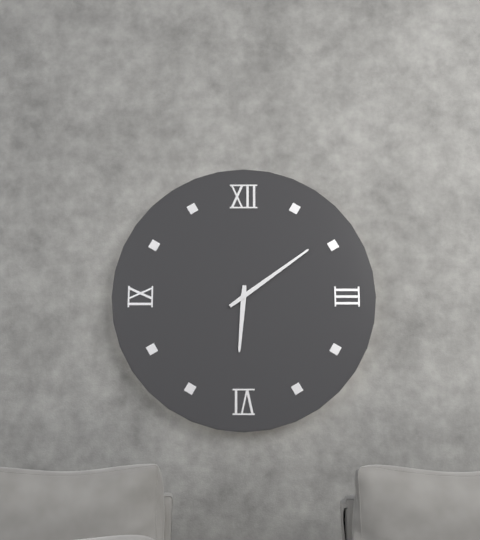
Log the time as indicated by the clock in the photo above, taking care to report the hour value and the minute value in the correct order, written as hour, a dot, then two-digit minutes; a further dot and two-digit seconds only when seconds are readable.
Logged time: 6.09
